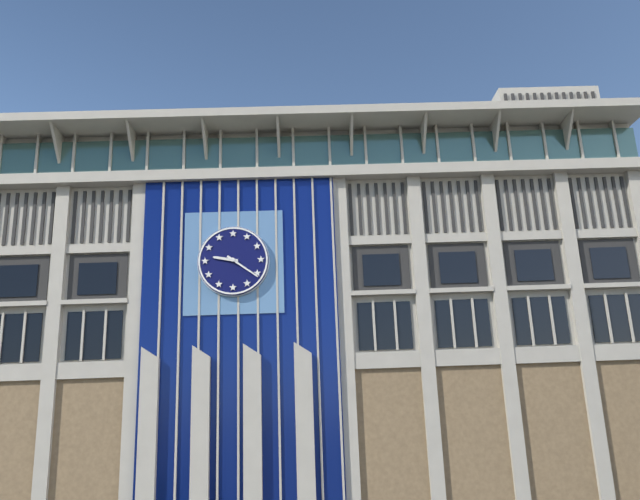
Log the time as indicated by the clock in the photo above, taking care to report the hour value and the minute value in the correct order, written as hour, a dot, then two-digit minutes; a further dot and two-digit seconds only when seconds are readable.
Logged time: 9.21
